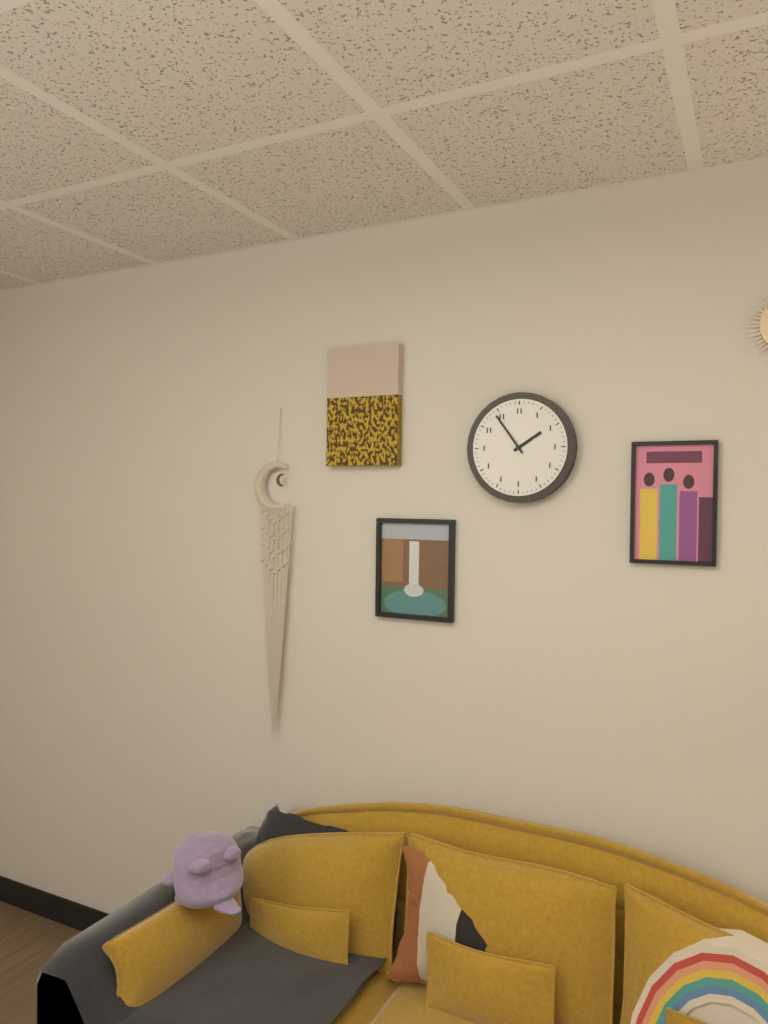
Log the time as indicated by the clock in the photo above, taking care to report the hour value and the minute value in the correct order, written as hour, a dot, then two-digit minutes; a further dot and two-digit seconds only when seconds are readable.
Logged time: 1.54
